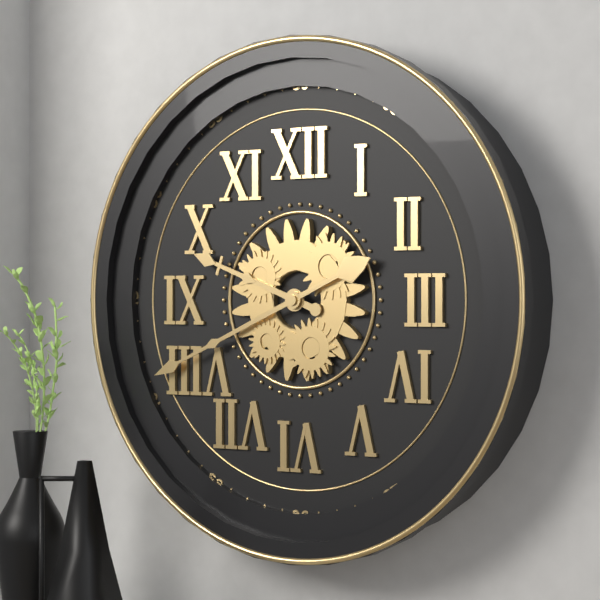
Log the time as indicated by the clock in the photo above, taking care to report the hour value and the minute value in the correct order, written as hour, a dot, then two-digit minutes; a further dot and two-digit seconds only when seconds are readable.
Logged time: 9.41
